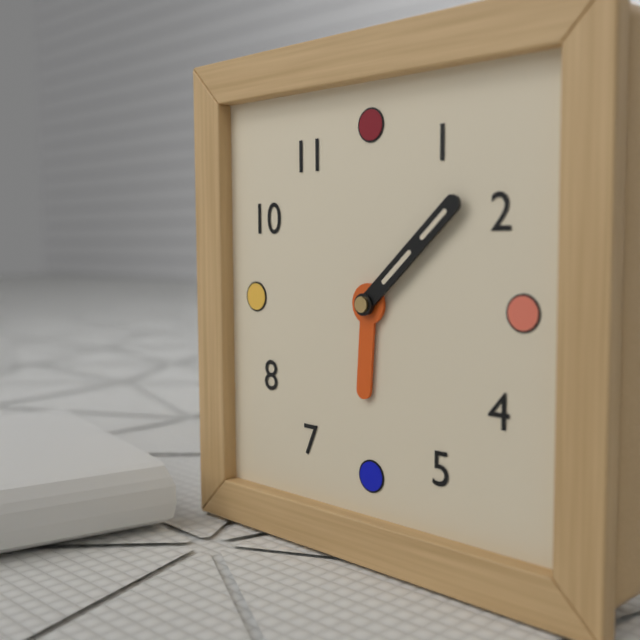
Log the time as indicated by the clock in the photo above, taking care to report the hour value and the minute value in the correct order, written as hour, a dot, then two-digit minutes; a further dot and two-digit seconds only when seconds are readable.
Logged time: 6.08
